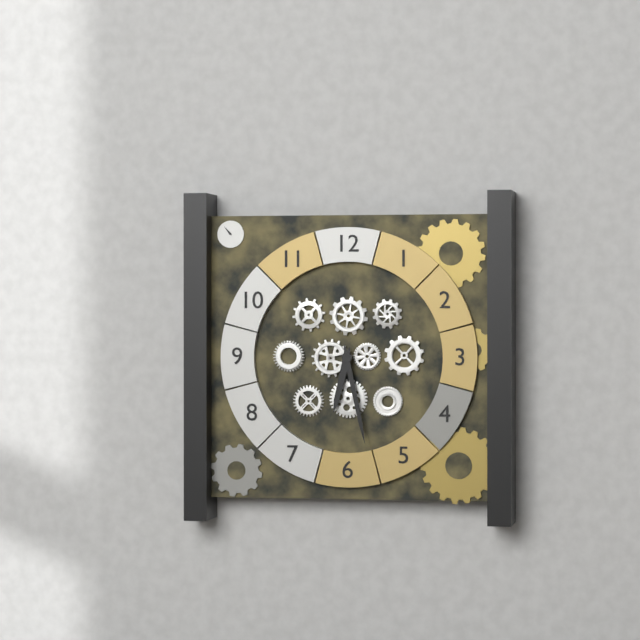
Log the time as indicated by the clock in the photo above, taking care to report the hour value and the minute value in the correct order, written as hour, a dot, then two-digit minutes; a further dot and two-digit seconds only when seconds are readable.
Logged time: 6.28
